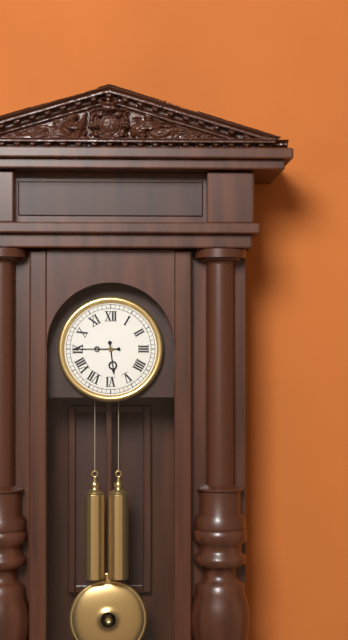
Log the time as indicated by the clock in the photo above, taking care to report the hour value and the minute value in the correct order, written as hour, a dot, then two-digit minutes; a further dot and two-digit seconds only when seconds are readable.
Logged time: 5.45
